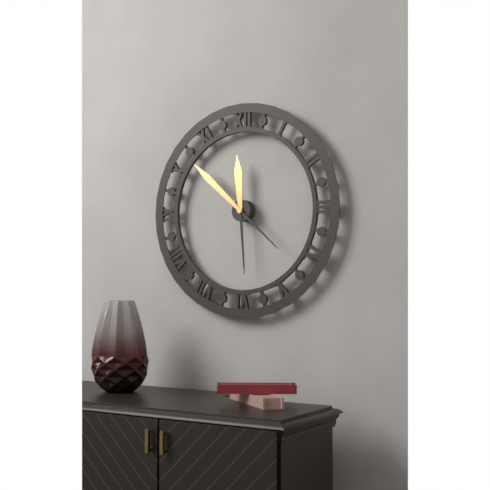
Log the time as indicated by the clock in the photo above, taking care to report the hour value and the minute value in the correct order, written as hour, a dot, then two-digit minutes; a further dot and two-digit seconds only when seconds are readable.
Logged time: 11.52
